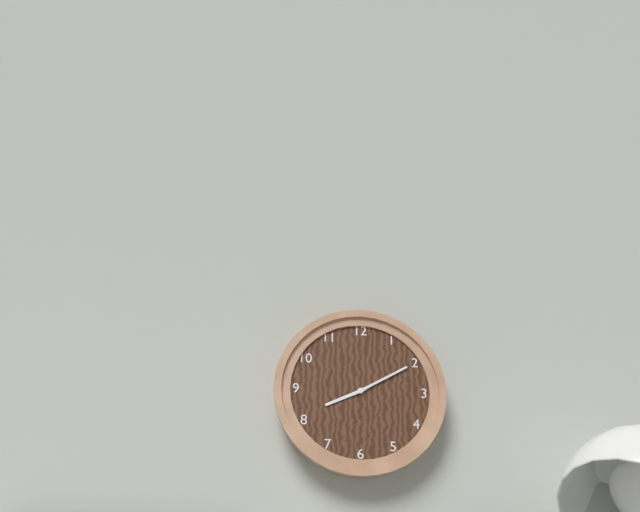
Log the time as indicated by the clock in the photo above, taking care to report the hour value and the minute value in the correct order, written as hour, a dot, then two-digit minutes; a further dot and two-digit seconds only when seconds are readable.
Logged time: 8.10
